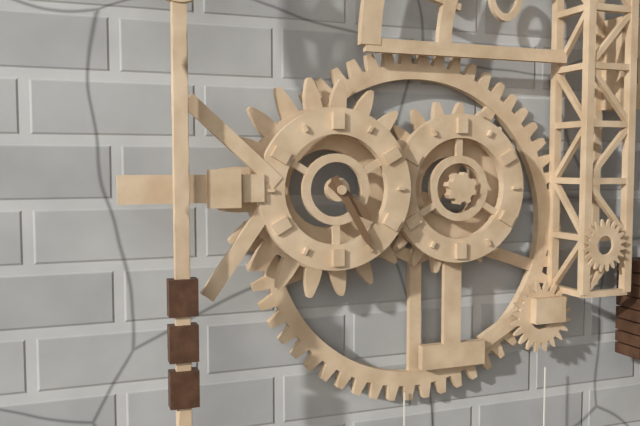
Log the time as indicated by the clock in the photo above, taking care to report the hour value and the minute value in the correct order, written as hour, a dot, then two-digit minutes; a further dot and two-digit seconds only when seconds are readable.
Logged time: 4.25
